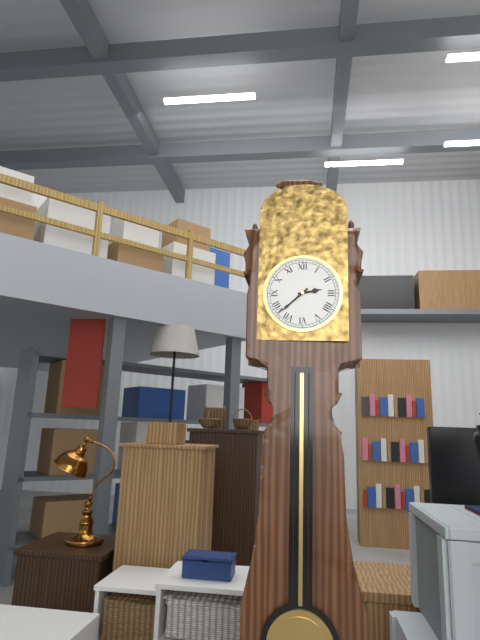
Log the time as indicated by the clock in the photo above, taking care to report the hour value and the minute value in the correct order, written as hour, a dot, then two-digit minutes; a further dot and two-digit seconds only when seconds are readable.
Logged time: 2.38
